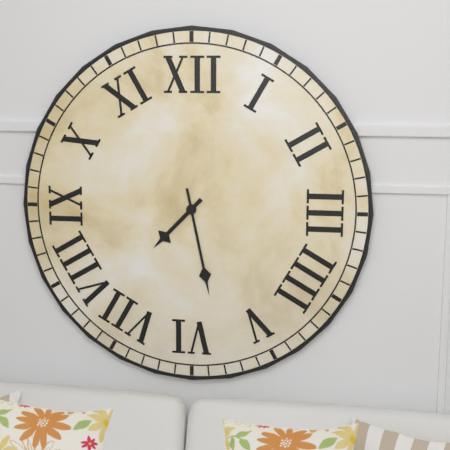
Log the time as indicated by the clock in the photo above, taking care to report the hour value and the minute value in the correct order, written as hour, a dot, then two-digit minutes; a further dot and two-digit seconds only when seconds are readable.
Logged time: 7.28
